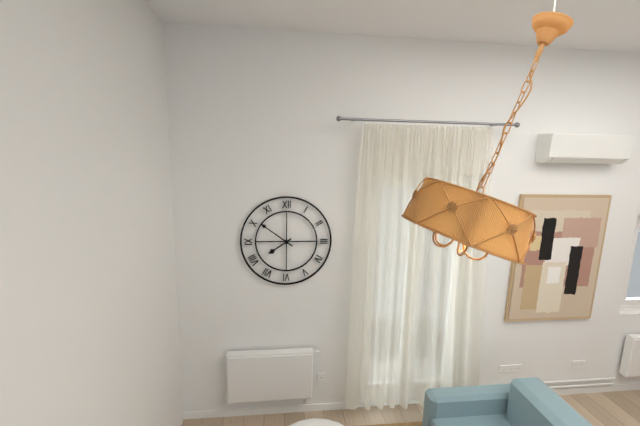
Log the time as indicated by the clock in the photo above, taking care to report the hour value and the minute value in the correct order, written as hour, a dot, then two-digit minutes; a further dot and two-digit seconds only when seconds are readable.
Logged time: 7.51
